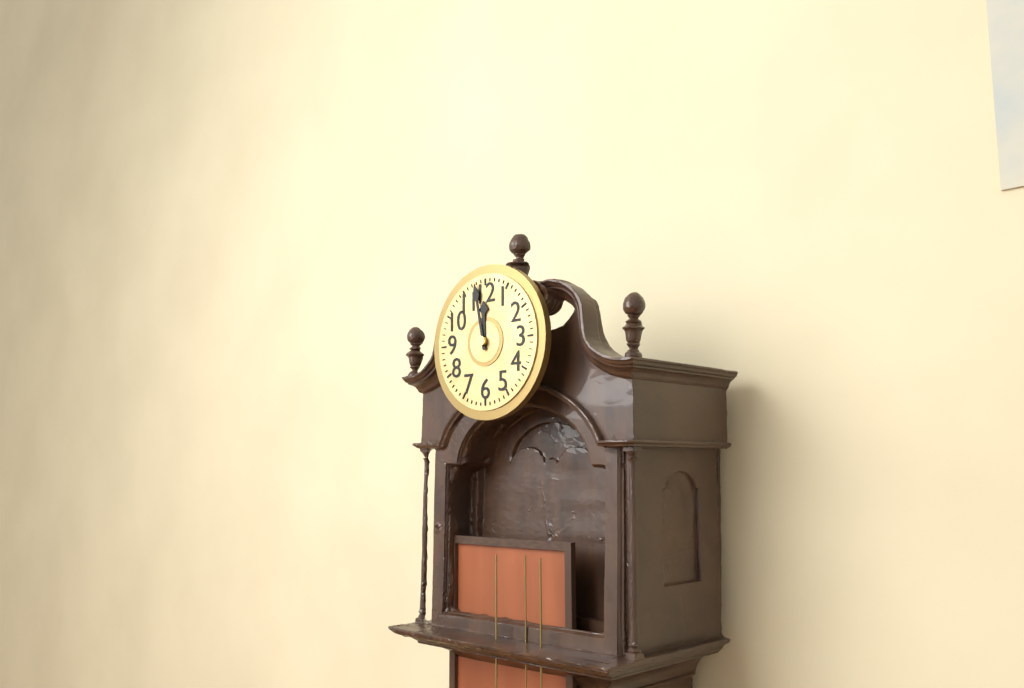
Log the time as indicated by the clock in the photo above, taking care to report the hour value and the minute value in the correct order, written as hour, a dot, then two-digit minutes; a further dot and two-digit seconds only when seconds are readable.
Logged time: 11.58
